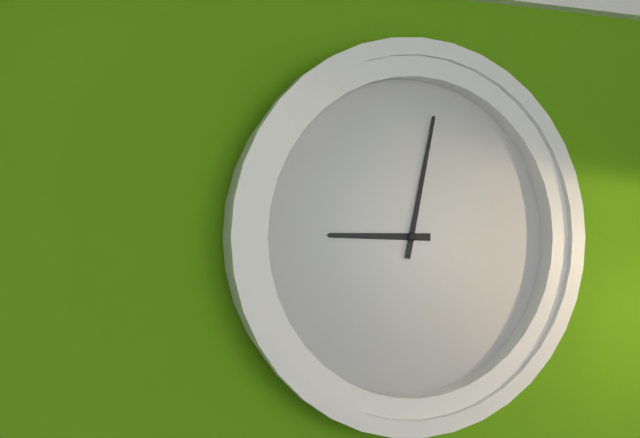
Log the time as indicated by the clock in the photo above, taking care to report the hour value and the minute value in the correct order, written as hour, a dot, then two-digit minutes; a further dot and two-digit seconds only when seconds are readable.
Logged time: 9.02
